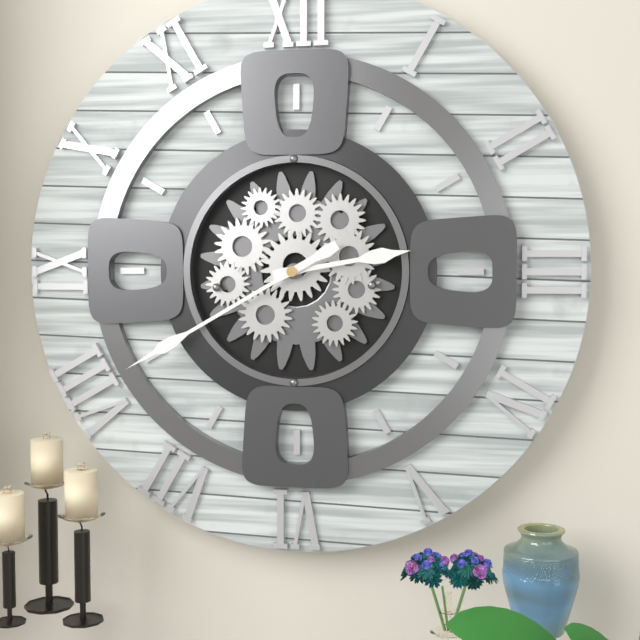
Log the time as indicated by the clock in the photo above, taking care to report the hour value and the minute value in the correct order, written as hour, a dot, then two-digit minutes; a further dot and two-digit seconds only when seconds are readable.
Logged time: 2.40
